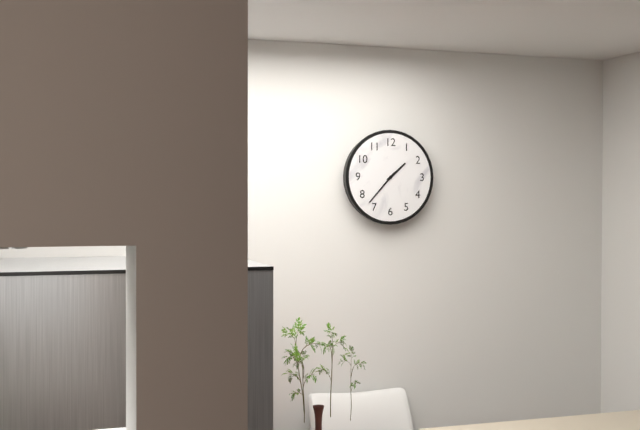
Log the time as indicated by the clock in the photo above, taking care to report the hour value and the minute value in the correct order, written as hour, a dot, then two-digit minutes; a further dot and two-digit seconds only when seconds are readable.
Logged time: 1.37
